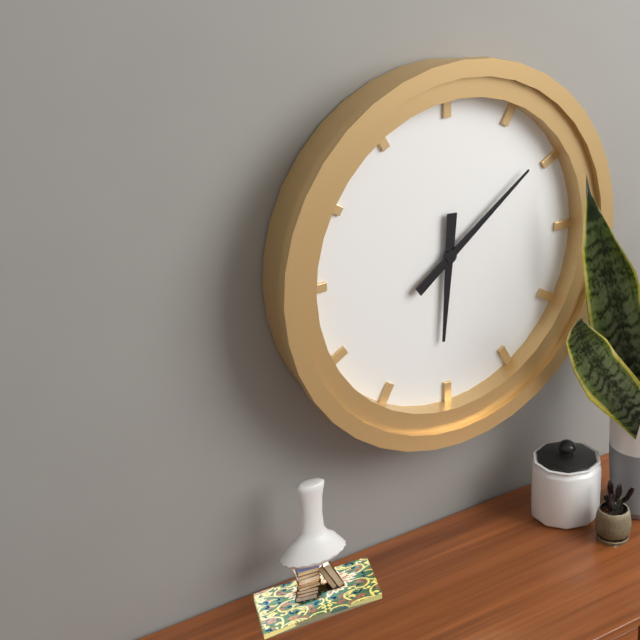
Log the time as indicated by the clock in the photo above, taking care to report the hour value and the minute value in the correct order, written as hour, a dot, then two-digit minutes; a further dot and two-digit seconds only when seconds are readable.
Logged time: 6.09
